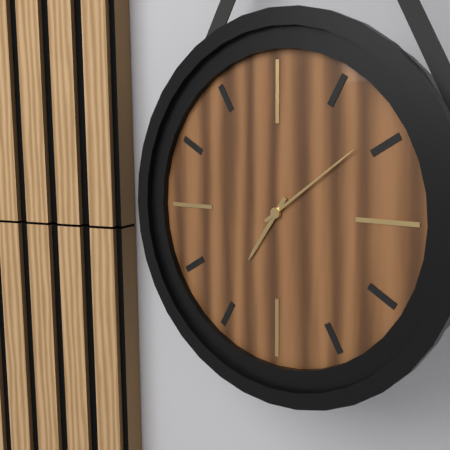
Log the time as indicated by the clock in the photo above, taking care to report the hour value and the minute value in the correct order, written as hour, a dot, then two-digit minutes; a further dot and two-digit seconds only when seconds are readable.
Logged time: 7.09
